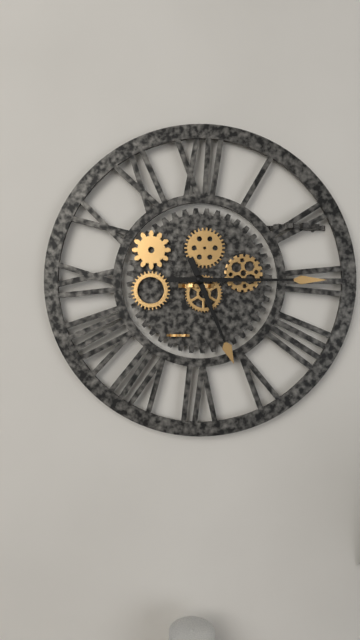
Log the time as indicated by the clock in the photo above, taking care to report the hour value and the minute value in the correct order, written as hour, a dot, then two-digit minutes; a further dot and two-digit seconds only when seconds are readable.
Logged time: 5.15
